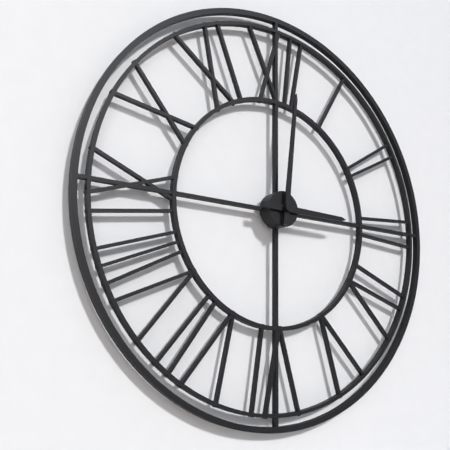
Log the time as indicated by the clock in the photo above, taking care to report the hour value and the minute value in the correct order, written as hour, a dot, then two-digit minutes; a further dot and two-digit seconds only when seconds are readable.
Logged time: 3.01
